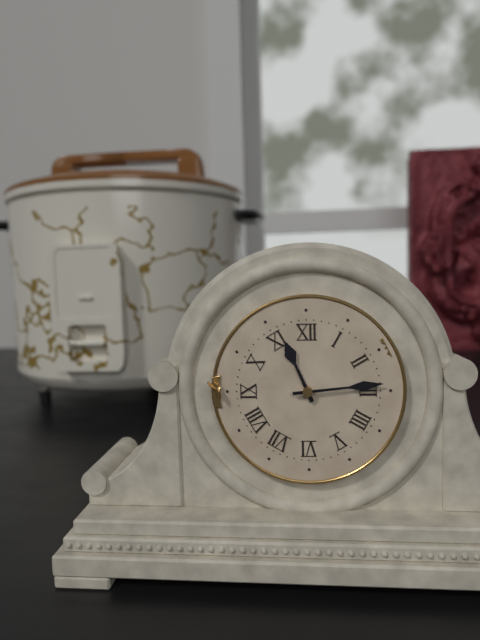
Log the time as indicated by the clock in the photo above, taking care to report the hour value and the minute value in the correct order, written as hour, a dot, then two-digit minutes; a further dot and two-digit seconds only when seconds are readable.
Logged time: 11.14
